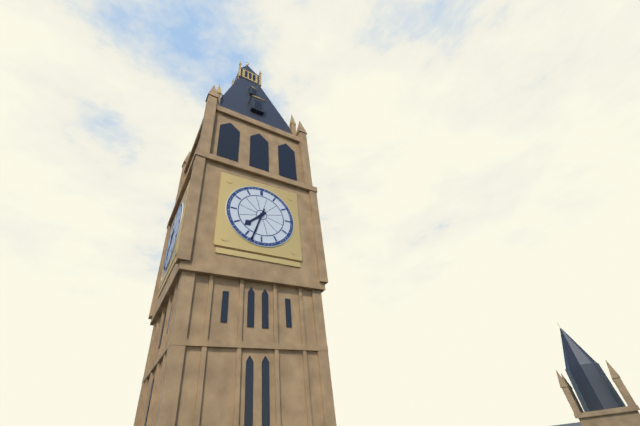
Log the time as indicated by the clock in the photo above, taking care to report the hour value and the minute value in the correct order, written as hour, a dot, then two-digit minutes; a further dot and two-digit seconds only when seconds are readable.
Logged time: 7.33
